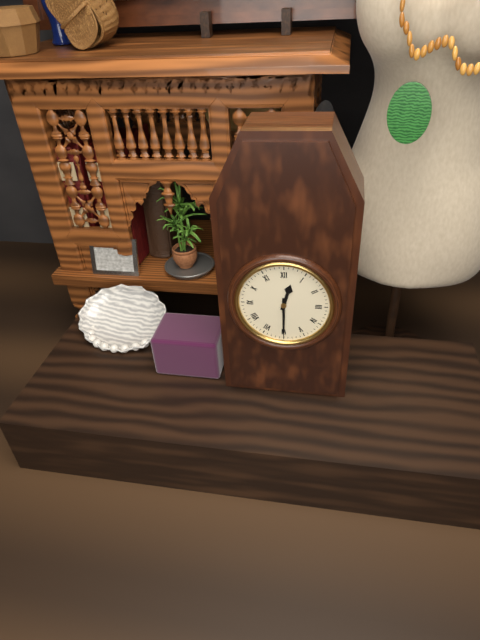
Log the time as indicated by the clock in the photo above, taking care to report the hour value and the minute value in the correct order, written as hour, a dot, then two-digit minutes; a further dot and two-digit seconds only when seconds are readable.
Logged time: 12.30
